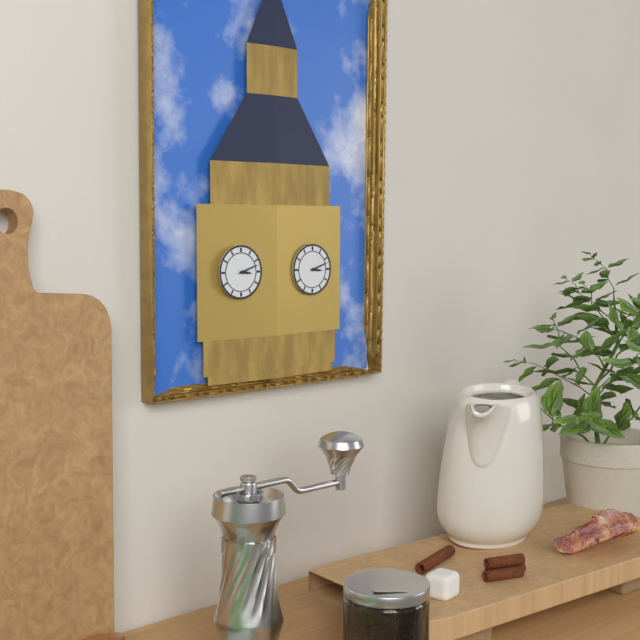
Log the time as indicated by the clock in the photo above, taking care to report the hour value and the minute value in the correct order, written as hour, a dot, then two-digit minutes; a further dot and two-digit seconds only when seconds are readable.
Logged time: 3.12
